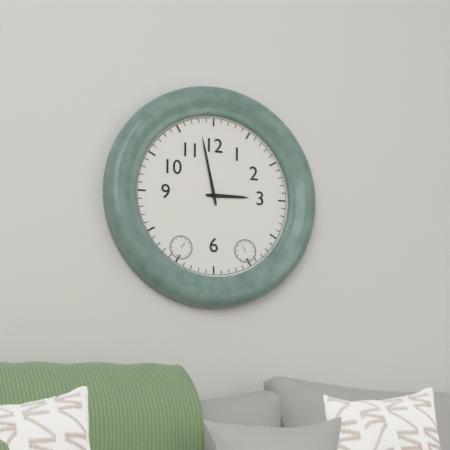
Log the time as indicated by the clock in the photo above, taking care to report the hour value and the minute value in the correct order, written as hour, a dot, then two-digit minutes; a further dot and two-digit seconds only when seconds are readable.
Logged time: 2.58
